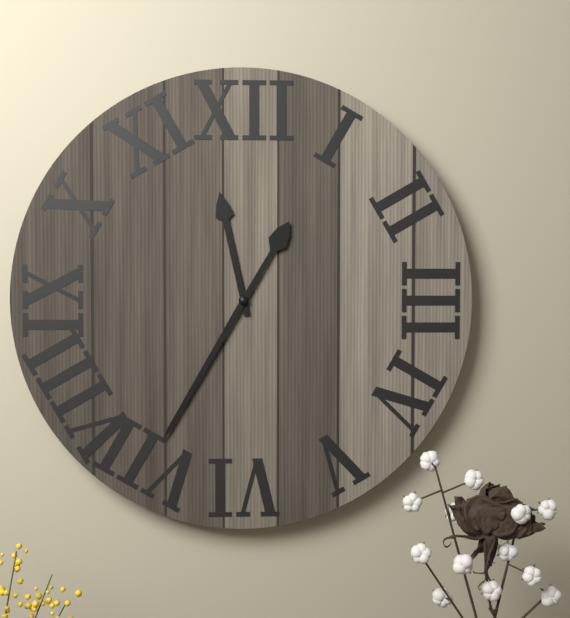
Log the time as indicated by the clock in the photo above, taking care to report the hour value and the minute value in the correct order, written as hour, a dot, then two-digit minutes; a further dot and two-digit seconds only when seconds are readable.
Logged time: 11.35
